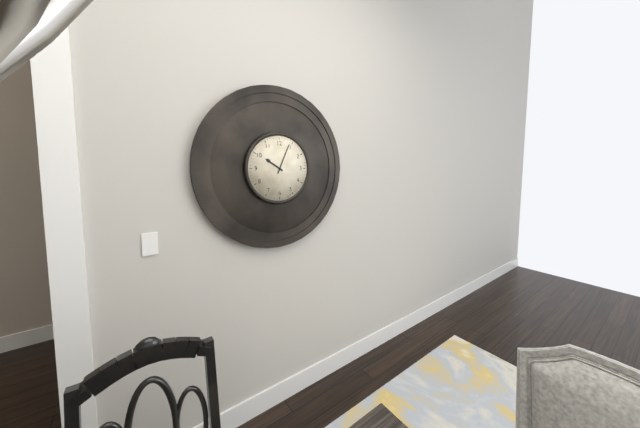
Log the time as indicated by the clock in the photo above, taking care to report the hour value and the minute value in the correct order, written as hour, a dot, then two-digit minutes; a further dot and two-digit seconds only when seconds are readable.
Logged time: 10.04
